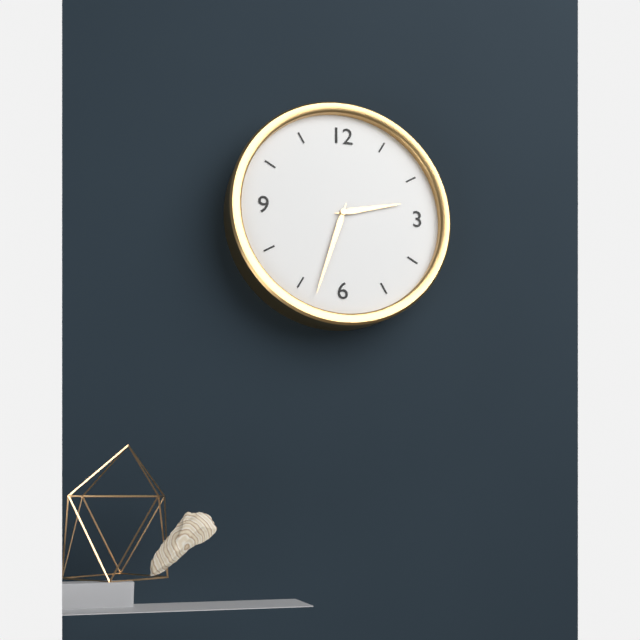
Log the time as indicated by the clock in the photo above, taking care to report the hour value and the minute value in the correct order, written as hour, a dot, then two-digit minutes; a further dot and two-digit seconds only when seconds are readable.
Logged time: 2.33
